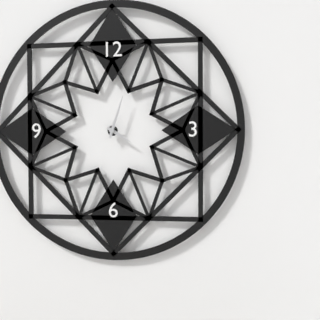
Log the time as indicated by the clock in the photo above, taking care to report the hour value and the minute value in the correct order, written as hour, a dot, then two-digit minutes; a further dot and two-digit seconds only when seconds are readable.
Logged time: 4.03
